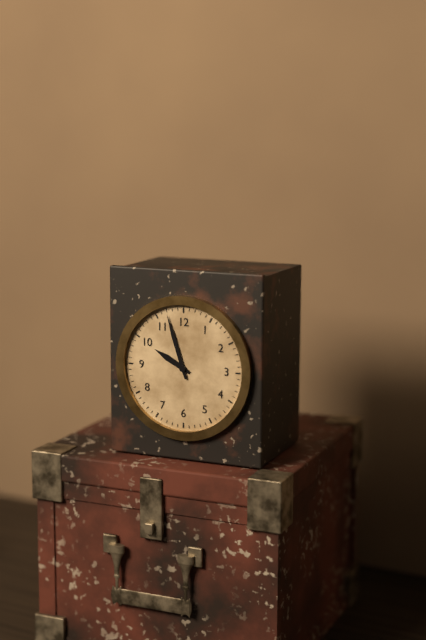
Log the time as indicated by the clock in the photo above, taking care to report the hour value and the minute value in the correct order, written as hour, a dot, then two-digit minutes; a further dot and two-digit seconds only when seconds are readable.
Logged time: 9.57
